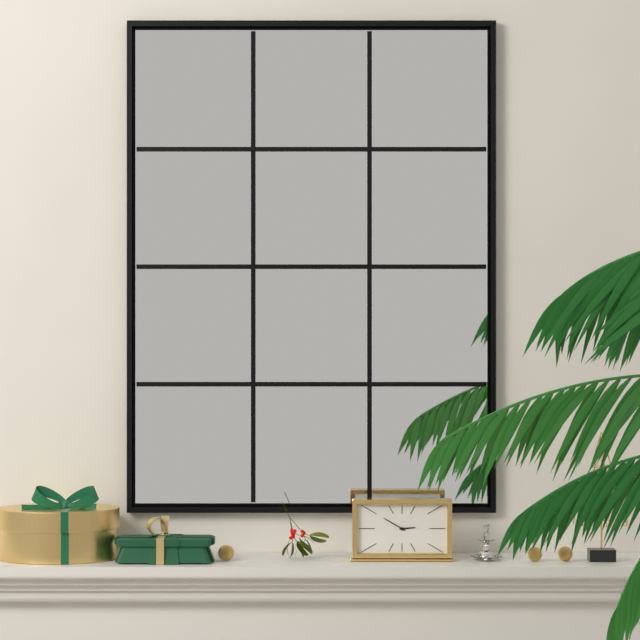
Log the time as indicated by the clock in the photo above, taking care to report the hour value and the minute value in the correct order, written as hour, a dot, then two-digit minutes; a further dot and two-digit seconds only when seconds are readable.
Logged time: 2.50
